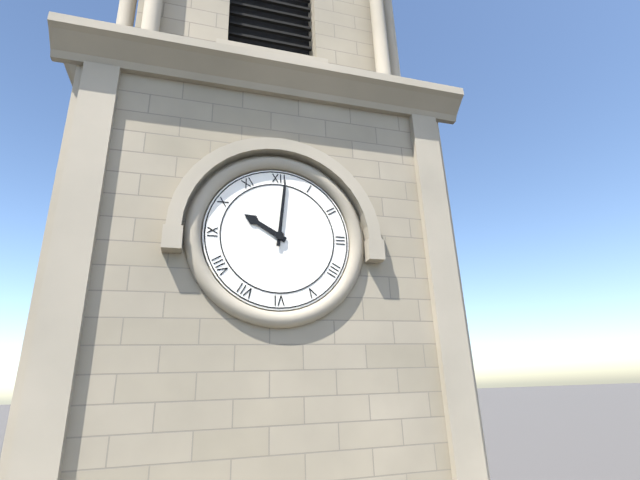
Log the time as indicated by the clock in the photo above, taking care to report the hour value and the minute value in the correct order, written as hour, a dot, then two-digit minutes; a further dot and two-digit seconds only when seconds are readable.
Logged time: 10.01
